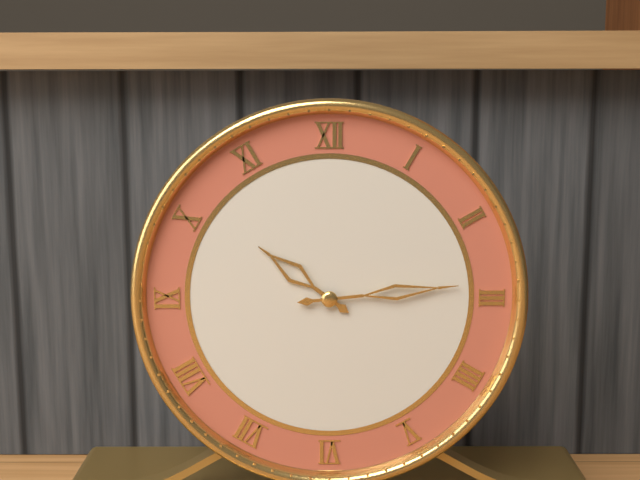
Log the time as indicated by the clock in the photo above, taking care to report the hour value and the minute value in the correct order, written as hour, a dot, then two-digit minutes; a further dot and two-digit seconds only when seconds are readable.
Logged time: 10.14
